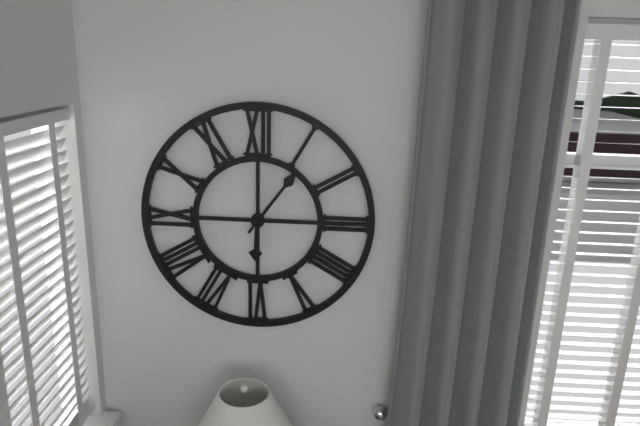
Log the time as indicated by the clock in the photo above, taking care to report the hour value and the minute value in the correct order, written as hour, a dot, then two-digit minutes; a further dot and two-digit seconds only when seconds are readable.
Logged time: 6.06
